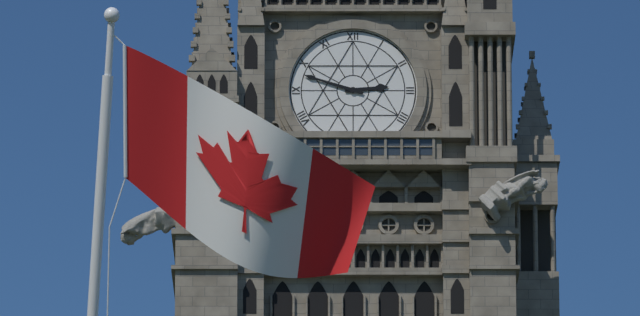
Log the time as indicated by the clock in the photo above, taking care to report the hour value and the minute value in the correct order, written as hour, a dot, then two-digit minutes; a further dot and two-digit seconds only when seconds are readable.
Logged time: 2.48
